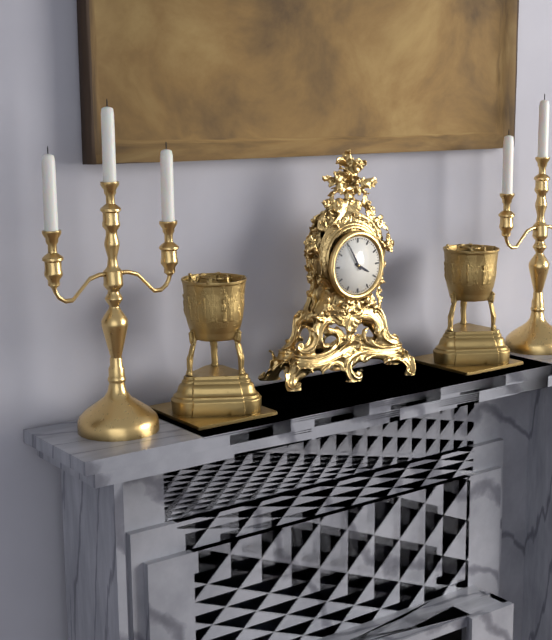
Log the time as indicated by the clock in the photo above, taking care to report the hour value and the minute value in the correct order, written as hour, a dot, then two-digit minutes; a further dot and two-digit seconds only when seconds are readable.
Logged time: 3.55
